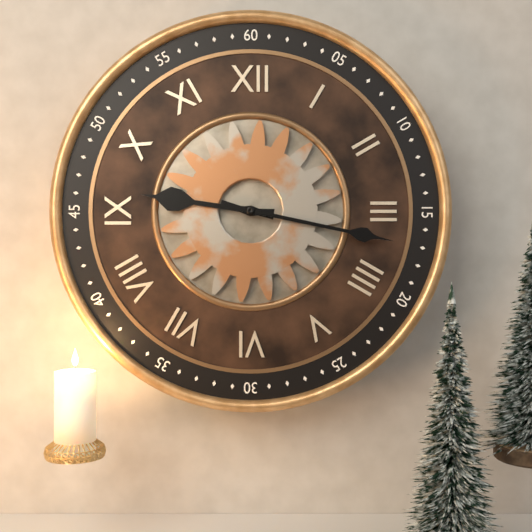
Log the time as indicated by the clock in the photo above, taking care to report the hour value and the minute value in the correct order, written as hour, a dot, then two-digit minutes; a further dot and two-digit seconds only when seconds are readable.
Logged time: 9.17
